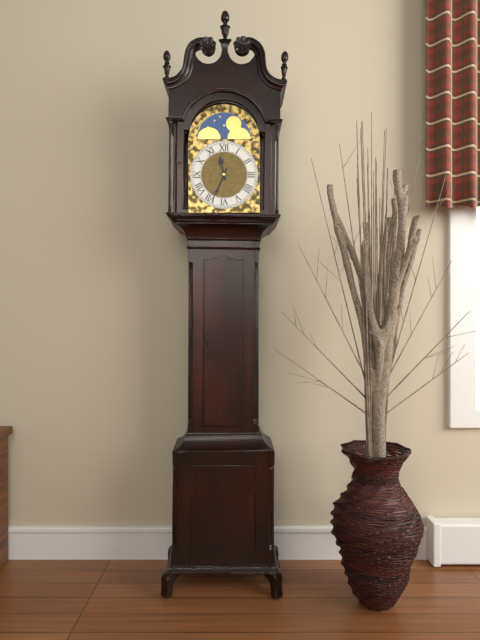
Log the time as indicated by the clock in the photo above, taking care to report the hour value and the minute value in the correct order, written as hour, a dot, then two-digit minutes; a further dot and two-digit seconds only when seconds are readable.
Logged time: 11.34
